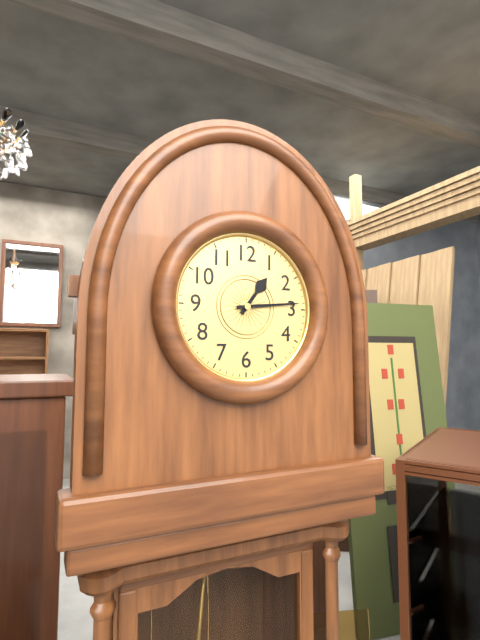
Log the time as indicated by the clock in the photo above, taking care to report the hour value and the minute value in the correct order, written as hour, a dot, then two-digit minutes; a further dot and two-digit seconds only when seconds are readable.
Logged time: 1.14
